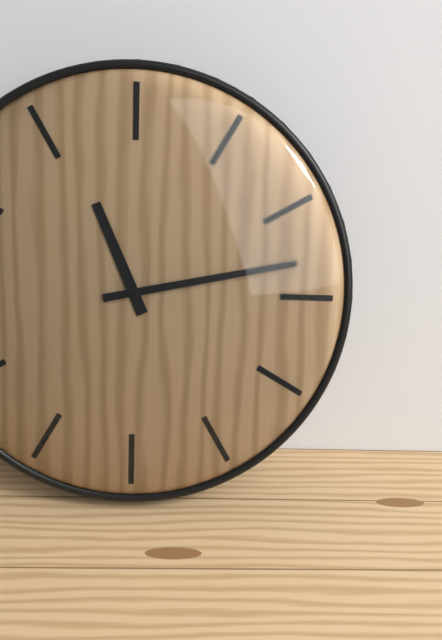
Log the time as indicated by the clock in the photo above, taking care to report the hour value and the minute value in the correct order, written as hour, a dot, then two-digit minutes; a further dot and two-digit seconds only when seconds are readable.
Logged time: 11.13
